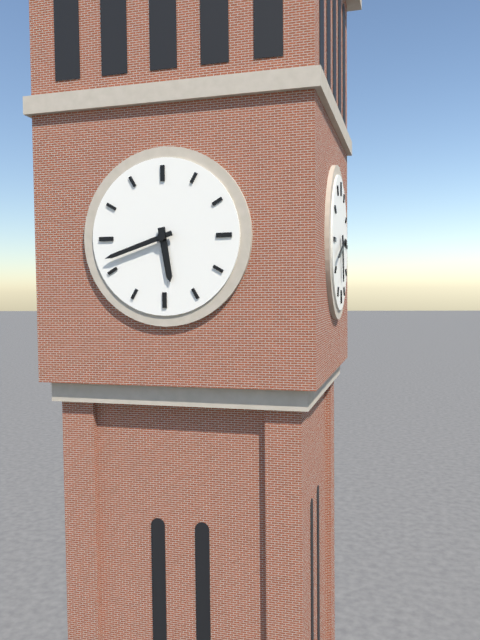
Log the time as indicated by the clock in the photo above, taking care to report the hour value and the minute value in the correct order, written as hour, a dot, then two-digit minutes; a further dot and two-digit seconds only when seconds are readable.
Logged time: 5.42
